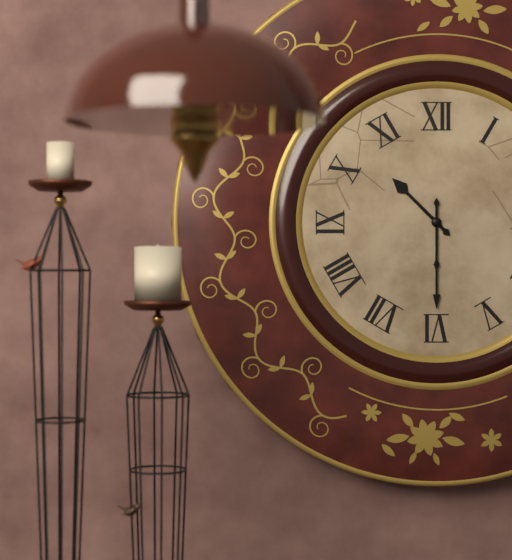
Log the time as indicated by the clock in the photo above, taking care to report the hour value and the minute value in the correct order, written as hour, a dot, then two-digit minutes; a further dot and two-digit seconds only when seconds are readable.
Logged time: 10.30
